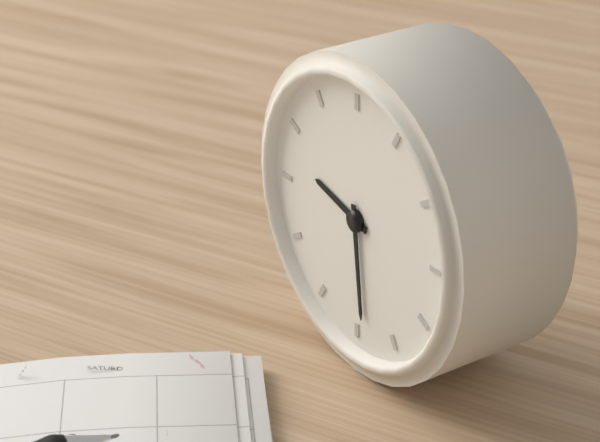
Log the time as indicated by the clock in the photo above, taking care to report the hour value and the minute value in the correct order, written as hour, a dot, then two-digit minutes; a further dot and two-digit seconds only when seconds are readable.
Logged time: 9.29
